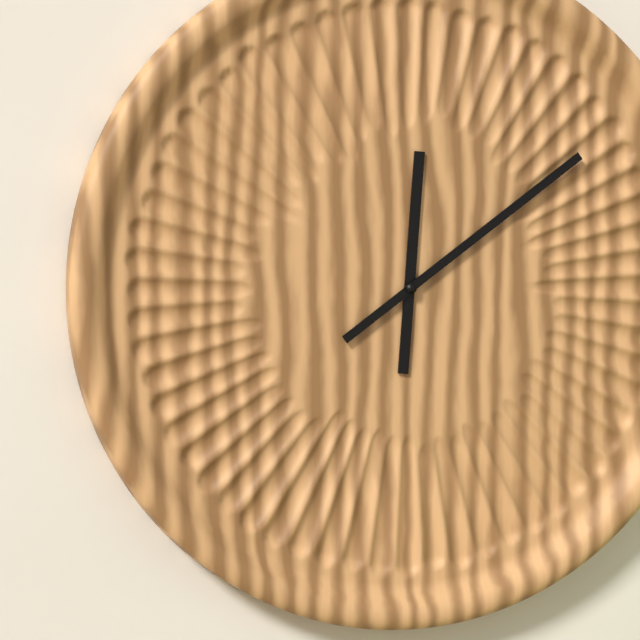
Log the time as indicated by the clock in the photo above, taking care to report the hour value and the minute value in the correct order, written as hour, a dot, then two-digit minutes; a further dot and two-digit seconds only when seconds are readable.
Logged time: 12.09
